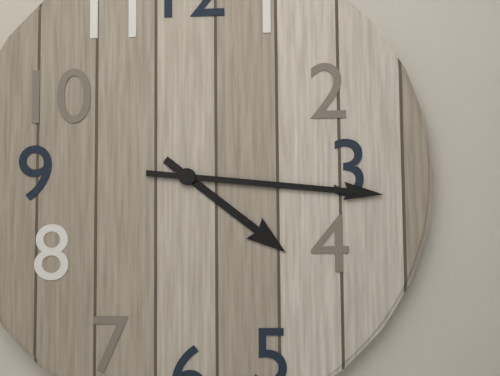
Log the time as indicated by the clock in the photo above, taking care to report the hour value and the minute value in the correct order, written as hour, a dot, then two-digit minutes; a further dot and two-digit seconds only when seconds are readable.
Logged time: 4.16
